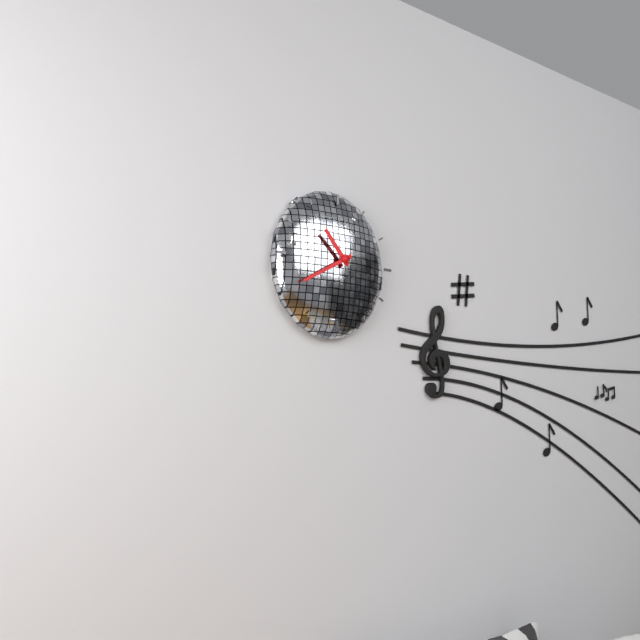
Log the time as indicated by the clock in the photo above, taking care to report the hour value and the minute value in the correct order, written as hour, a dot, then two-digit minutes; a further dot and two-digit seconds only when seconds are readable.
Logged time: 10.40
